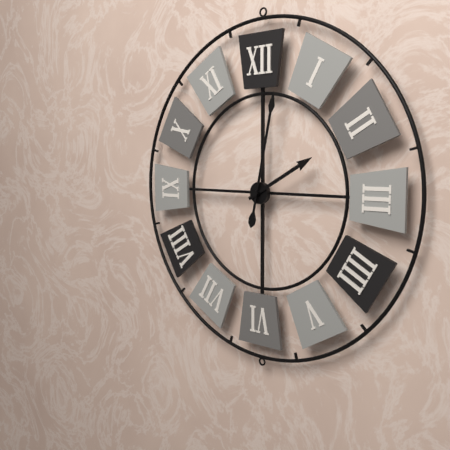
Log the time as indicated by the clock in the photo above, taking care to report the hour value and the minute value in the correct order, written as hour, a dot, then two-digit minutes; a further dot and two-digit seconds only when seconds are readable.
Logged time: 2.02
